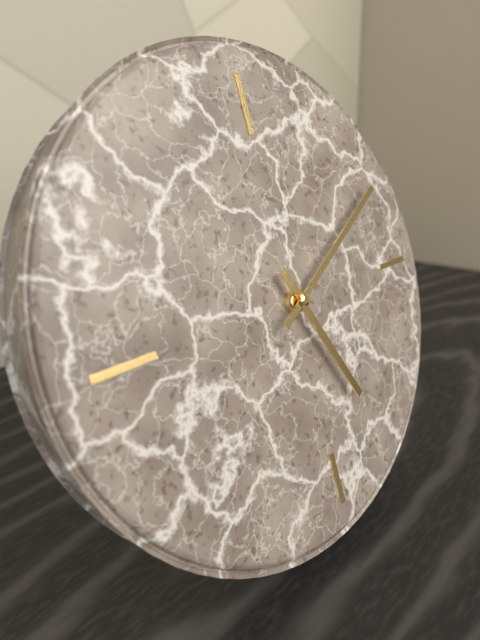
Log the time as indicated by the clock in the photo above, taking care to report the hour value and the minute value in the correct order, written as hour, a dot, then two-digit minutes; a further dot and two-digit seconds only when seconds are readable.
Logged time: 5.10
